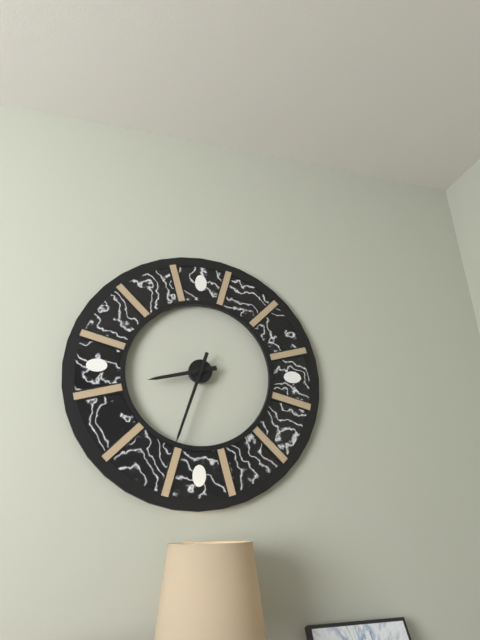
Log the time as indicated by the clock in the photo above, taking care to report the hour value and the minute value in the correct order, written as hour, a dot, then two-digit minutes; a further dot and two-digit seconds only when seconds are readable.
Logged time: 8.33
